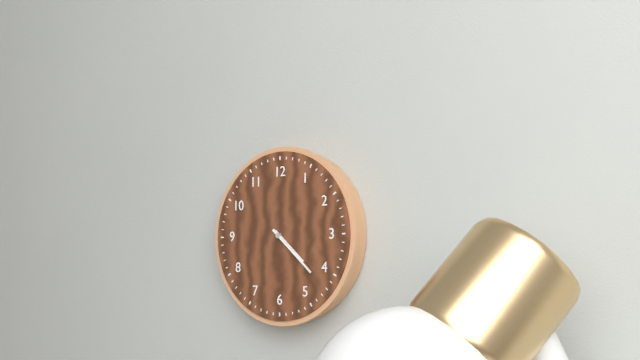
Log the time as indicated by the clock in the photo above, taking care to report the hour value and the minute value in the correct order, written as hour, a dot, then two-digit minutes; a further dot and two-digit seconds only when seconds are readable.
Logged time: 4.22
